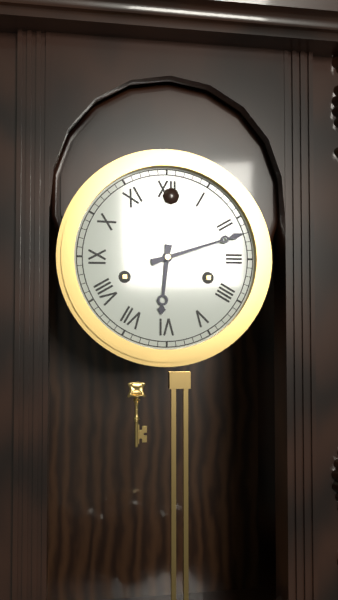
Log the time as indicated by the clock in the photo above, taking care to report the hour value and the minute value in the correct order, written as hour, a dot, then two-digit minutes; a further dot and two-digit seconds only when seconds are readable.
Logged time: 6.12
